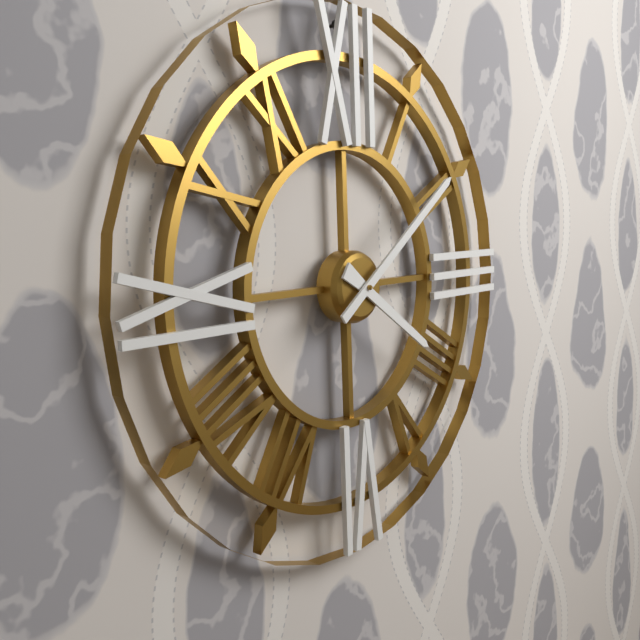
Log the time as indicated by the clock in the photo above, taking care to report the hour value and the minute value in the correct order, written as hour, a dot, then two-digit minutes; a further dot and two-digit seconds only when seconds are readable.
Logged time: 4.09
